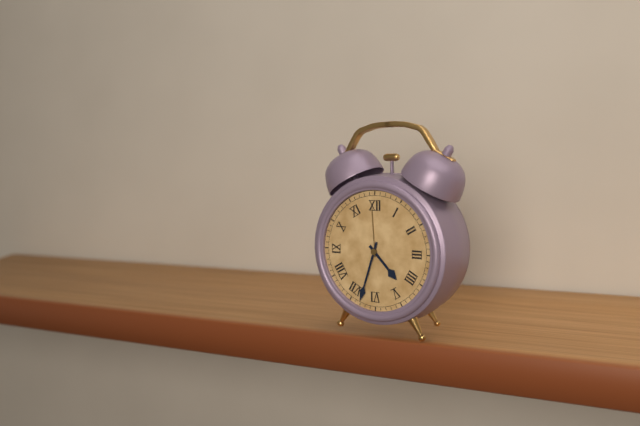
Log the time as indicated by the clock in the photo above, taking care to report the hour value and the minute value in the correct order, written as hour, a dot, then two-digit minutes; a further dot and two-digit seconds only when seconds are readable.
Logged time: 4.33
